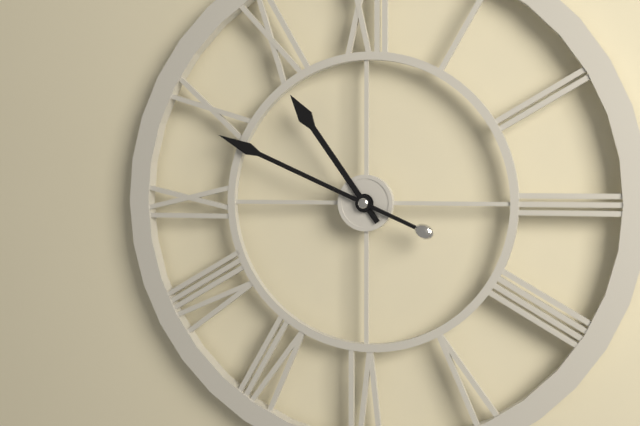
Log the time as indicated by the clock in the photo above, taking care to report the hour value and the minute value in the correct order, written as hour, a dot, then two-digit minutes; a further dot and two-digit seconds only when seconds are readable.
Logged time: 10.49
